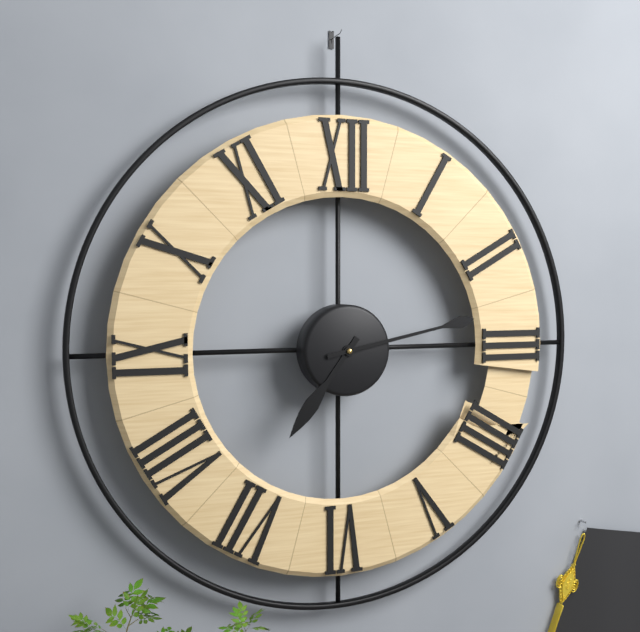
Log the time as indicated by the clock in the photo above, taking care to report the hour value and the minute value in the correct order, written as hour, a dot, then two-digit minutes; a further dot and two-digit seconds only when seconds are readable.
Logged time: 7.13
